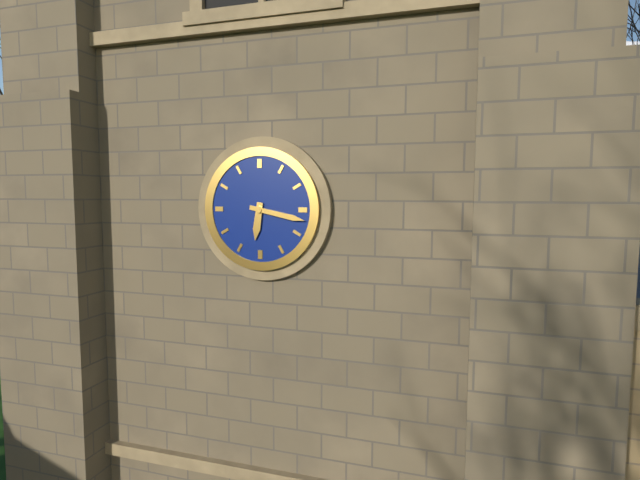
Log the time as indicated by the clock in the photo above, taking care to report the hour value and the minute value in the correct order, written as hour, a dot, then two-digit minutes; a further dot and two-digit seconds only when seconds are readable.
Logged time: 6.17
